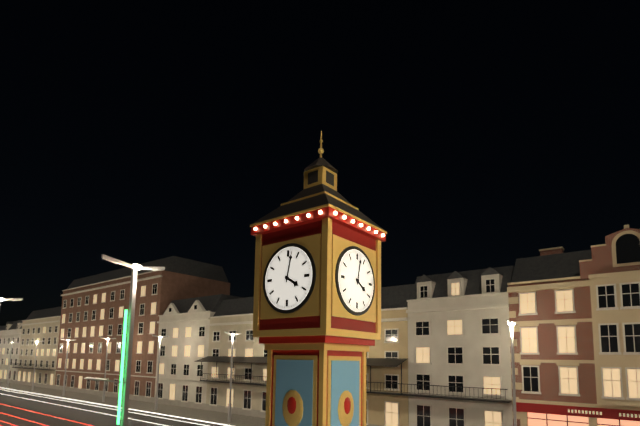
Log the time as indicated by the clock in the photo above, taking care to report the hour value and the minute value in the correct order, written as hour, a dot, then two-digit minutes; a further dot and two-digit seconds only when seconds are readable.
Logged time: 4.02
